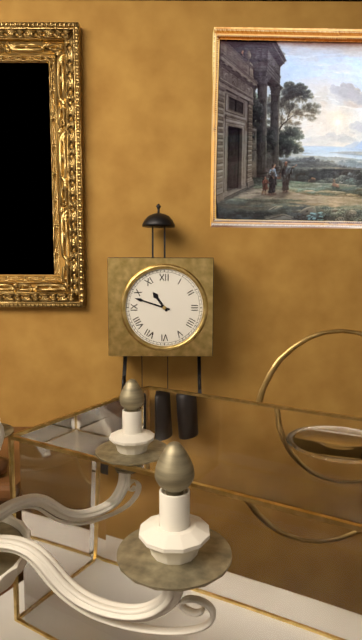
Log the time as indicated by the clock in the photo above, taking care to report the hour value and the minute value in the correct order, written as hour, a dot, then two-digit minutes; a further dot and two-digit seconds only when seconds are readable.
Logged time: 10.48
